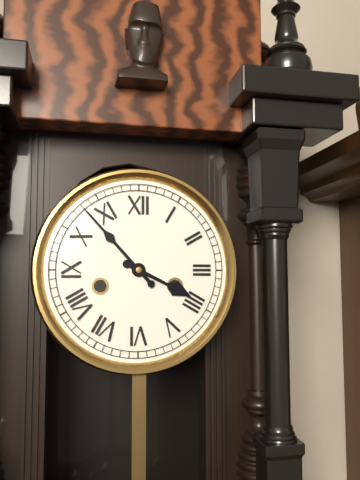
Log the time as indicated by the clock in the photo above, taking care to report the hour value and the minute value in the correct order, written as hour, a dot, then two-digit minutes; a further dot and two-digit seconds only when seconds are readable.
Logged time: 3.53
